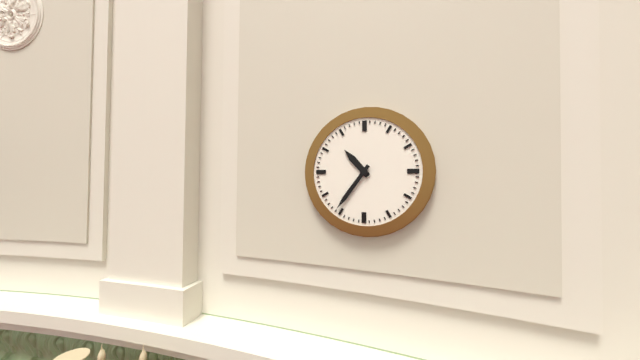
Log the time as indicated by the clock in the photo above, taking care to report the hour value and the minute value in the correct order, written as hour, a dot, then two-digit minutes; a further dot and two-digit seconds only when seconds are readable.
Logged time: 10.36
